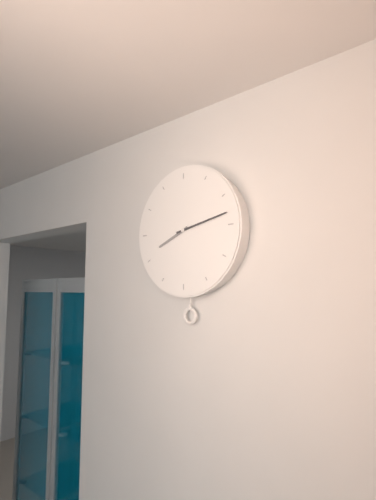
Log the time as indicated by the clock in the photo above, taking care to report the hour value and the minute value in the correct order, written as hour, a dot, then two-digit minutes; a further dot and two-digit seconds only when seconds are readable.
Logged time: 8.13
